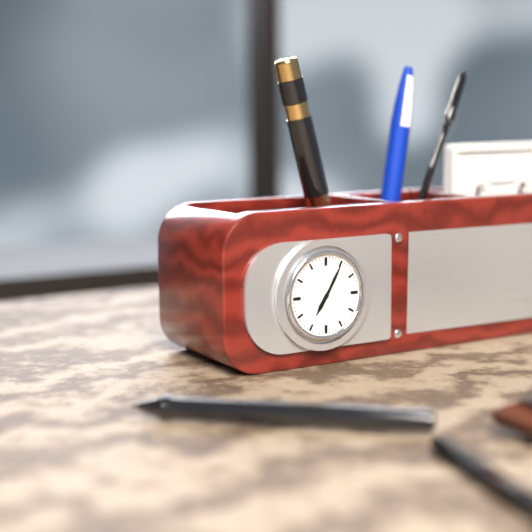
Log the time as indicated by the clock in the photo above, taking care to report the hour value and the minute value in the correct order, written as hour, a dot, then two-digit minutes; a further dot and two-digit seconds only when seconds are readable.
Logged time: 7.05
